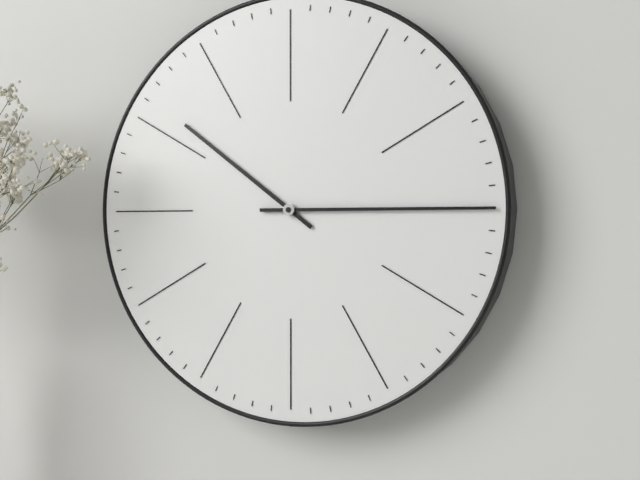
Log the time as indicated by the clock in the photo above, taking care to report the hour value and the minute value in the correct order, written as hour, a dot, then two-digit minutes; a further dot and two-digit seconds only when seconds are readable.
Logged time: 10.15
